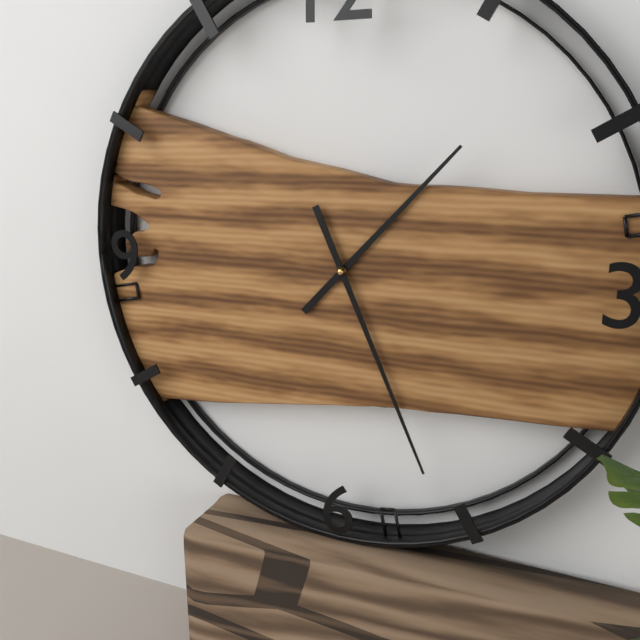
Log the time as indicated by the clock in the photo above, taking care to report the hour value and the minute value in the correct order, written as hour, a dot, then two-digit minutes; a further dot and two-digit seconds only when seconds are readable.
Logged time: 1.26
